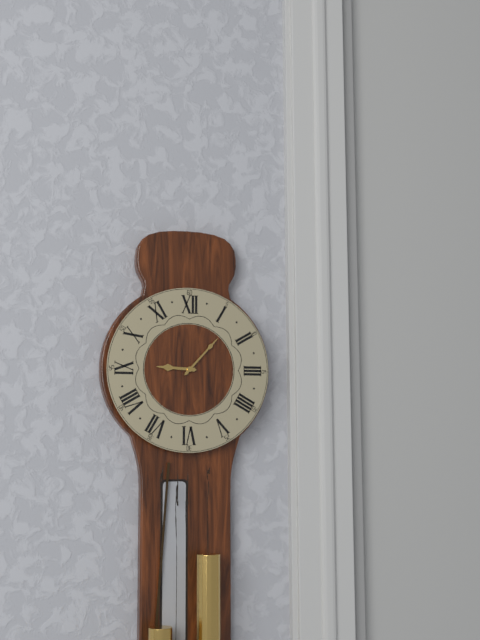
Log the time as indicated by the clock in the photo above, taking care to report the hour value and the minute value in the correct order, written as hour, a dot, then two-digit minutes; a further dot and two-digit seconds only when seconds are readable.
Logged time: 9.07
